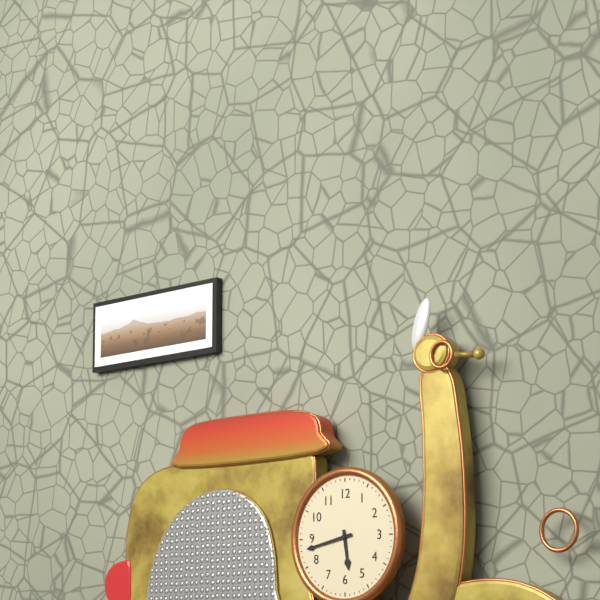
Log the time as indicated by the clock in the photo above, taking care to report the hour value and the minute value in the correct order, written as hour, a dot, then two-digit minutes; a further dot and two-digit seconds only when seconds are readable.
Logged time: 5.43
